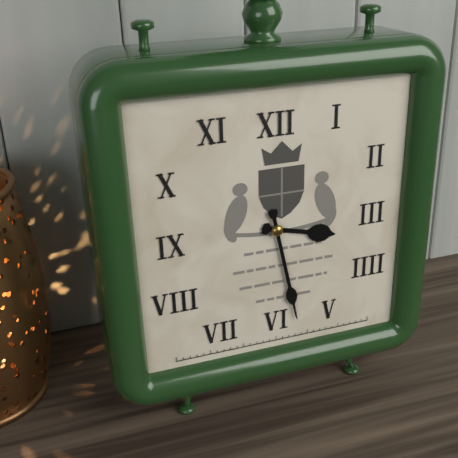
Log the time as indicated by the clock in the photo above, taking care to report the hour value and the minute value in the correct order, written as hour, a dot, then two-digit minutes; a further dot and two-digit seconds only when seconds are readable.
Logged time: 3.28
